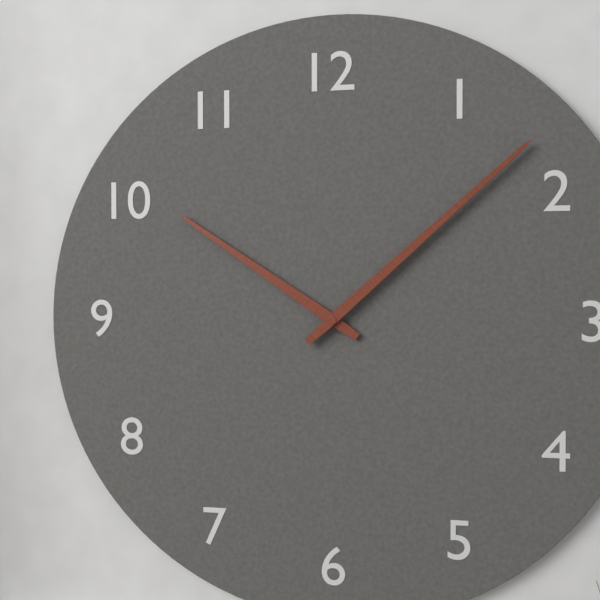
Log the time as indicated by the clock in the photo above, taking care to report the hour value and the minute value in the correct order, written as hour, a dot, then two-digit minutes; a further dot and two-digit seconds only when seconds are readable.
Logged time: 10.08
